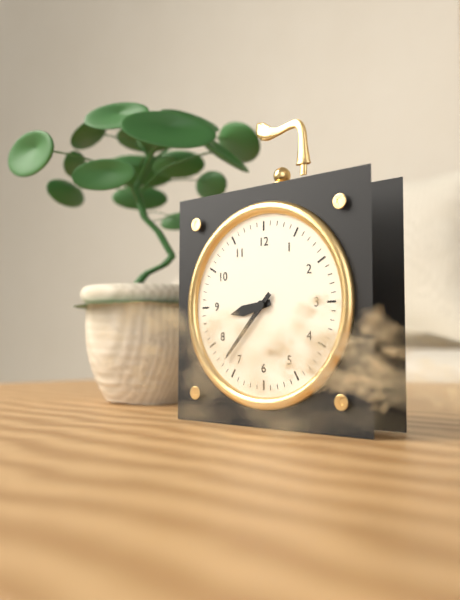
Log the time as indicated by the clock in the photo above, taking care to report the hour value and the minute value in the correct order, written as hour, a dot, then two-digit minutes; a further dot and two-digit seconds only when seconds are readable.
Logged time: 8.37
